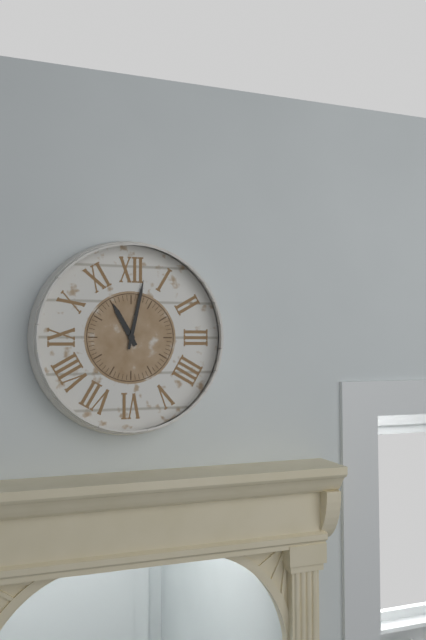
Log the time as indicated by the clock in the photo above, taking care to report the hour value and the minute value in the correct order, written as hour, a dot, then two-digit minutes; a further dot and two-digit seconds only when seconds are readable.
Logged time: 11.02
